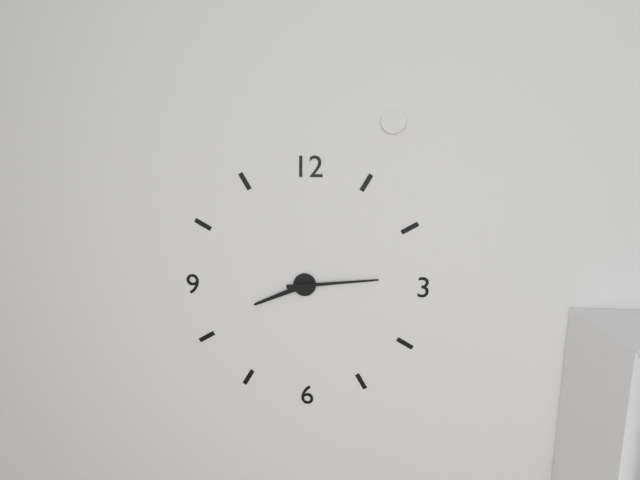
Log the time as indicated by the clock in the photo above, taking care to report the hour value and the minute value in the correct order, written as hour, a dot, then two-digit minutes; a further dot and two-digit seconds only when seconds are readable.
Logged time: 8.14
